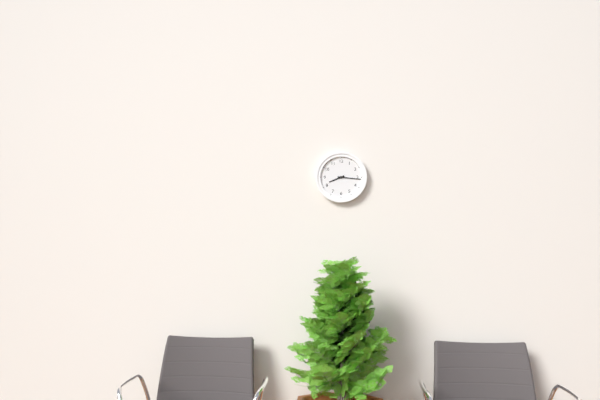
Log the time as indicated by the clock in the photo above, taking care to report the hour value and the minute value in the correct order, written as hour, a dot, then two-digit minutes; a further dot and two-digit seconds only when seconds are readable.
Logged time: 8.16
